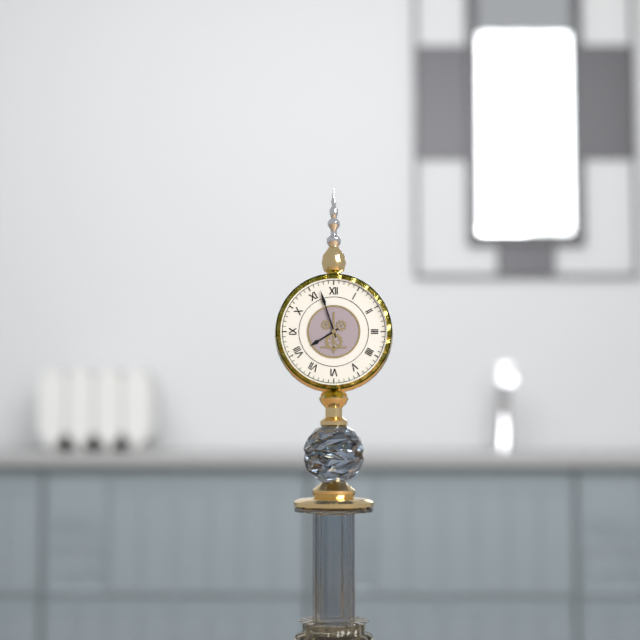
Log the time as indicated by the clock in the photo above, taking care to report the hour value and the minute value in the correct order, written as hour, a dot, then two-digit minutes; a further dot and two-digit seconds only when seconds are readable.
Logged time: 7.57
